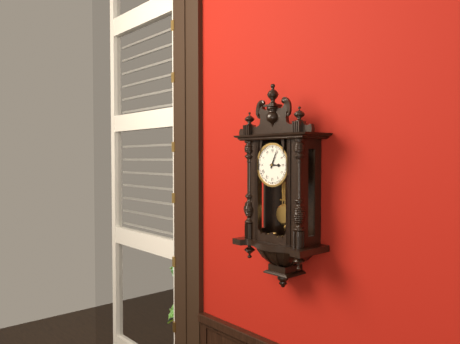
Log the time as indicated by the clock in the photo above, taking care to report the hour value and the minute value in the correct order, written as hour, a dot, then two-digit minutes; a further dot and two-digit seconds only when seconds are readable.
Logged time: 3.04
